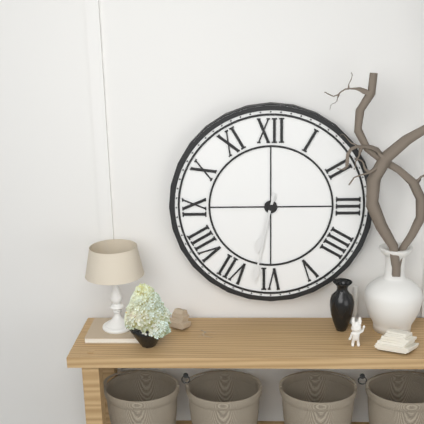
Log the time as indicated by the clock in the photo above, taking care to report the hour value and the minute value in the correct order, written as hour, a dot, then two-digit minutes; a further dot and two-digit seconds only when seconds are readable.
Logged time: 6.32
